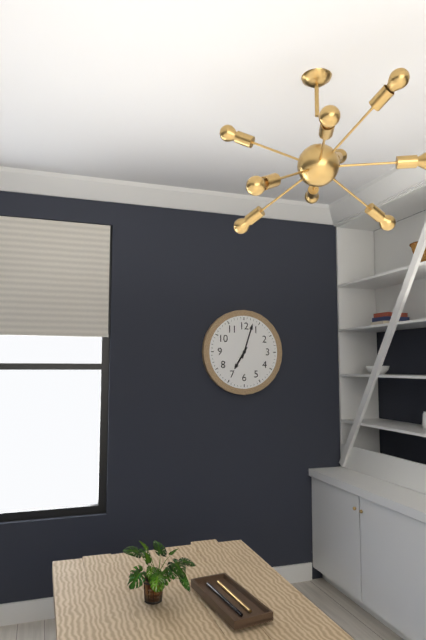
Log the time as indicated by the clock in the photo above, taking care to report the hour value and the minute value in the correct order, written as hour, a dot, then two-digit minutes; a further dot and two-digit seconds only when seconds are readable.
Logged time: 7.03
